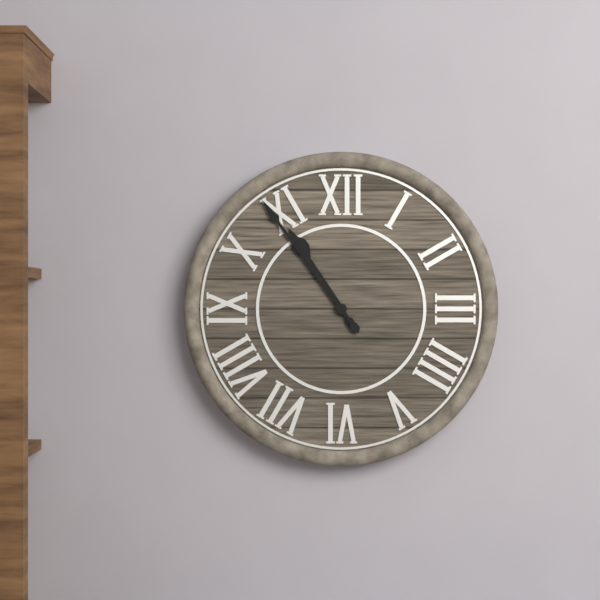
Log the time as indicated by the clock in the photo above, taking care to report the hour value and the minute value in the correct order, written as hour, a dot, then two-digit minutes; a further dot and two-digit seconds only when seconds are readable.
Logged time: 10.54
